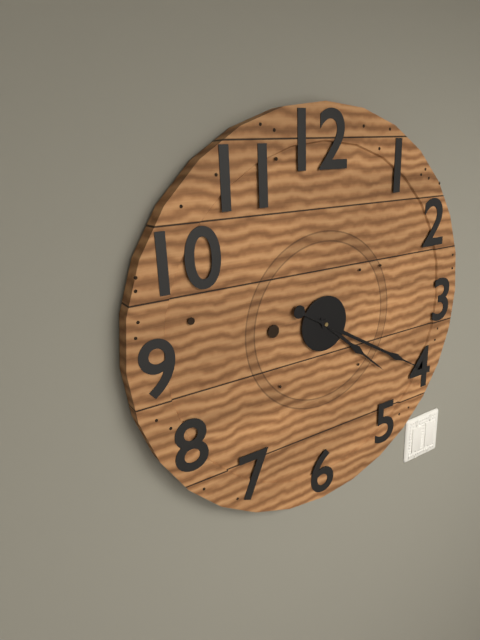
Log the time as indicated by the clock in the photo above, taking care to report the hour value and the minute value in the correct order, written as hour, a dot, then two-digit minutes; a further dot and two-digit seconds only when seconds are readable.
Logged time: 4.20
